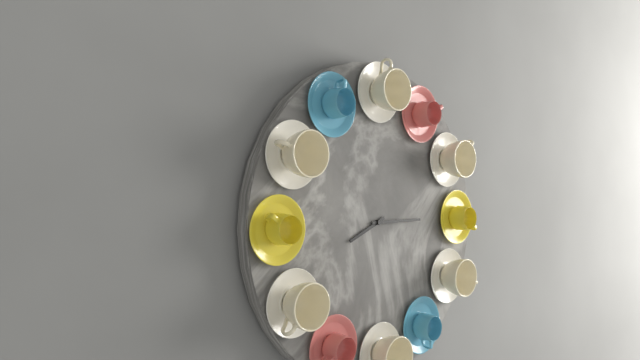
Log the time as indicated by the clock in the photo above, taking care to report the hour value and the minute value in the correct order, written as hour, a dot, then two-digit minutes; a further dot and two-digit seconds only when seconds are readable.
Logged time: 8.15
